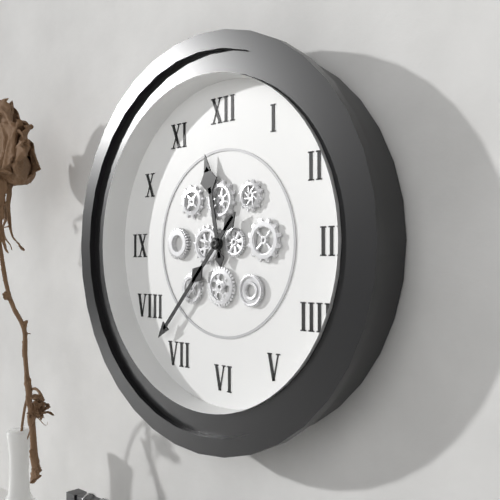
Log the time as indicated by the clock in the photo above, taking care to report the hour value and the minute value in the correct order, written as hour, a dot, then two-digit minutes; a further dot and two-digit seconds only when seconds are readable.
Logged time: 11.37
